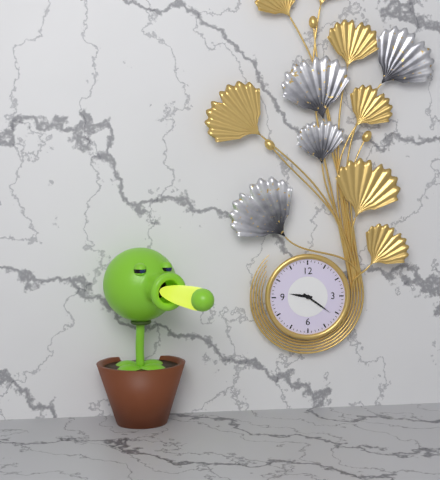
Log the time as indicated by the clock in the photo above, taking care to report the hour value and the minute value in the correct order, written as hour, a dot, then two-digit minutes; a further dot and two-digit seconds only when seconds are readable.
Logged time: 9.21
